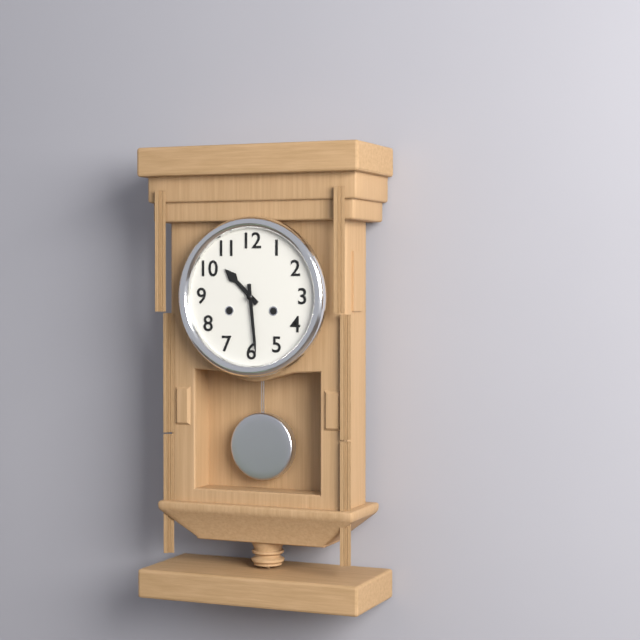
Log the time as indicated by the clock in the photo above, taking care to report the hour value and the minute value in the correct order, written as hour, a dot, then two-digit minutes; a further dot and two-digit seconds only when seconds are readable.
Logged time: 10.29
